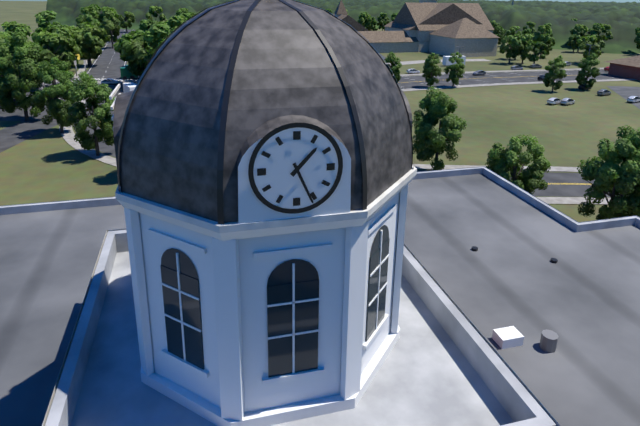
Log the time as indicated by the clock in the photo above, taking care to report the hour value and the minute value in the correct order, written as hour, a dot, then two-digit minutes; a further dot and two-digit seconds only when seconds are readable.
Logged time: 1.26
